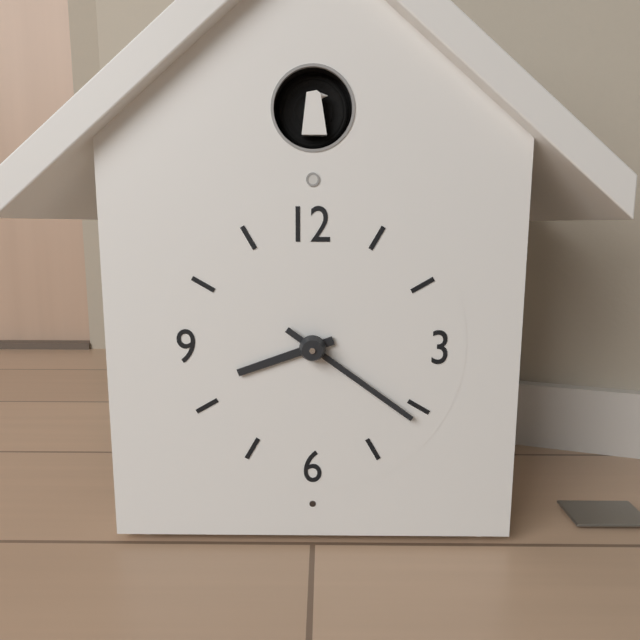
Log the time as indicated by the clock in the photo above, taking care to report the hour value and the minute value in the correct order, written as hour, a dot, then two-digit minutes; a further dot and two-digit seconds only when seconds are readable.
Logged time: 8.21
